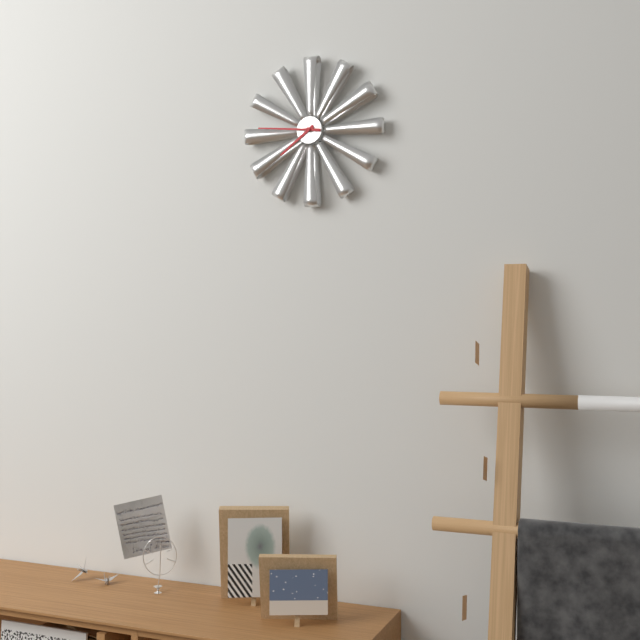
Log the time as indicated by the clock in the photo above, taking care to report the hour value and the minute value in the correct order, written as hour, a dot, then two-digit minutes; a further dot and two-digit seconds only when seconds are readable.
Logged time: 7.46
